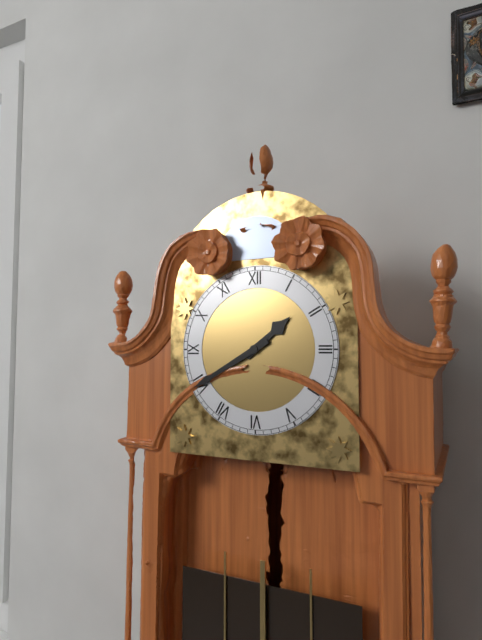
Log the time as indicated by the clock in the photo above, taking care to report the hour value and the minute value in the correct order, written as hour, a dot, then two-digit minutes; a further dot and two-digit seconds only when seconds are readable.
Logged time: 1.40
